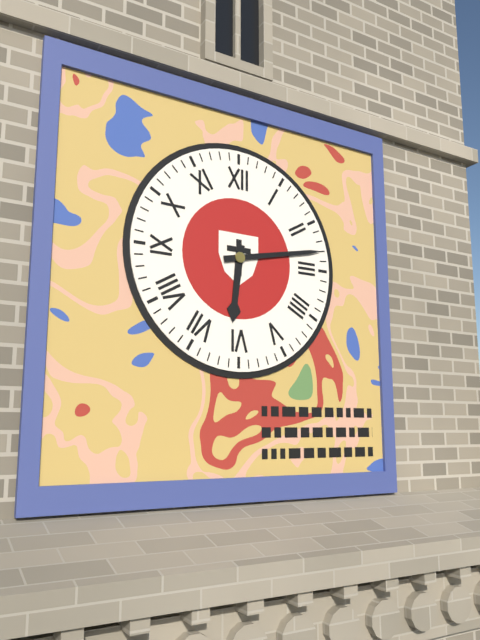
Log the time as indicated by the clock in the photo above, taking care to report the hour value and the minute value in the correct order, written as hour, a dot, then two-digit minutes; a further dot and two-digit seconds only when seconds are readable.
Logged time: 6.13
